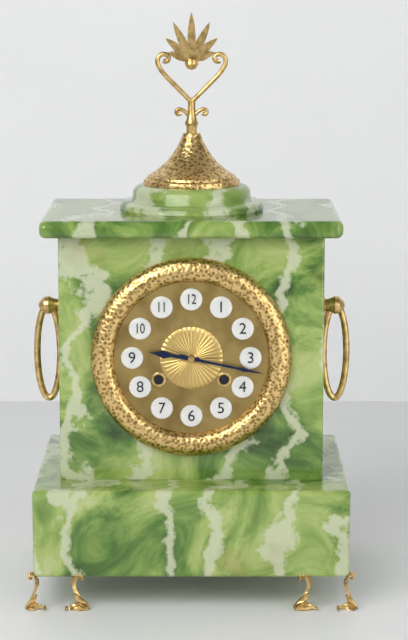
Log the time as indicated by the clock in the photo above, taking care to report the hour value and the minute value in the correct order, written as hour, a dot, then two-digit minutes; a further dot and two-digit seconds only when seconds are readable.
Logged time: 9.17
